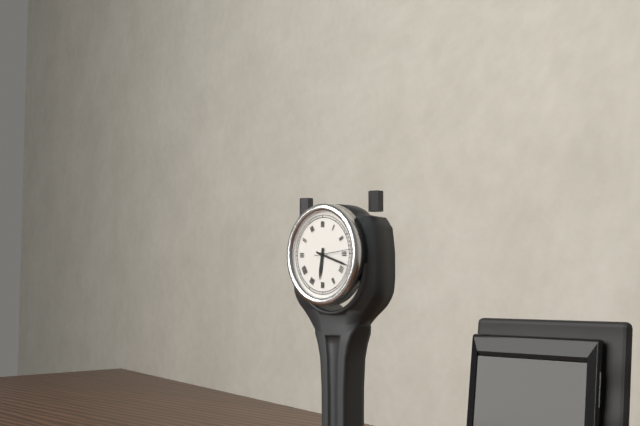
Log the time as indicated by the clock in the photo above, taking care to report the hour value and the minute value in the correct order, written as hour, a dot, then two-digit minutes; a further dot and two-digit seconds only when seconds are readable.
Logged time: 6.18
